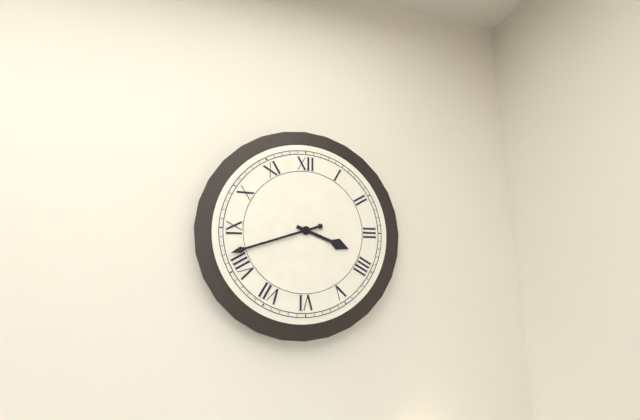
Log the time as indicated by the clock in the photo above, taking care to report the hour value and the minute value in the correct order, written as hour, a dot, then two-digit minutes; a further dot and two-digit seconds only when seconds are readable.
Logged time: 3.42
